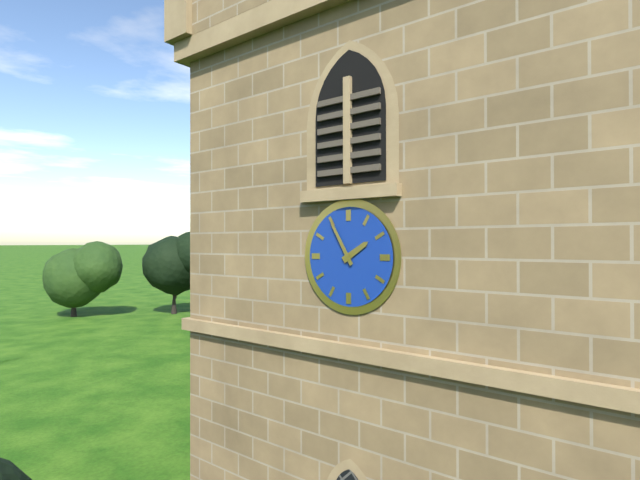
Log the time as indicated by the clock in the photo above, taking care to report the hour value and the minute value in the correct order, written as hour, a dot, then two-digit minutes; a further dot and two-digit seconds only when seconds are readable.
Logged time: 1.55
